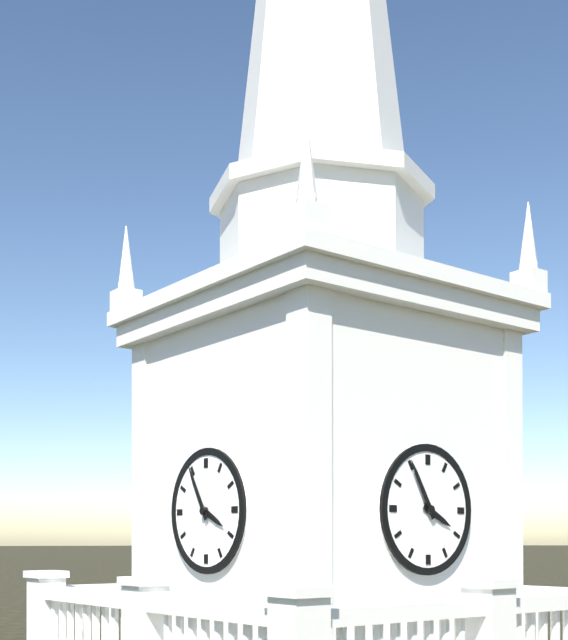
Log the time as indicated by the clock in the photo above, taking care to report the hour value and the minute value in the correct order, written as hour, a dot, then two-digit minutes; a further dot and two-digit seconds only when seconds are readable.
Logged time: 3.55
